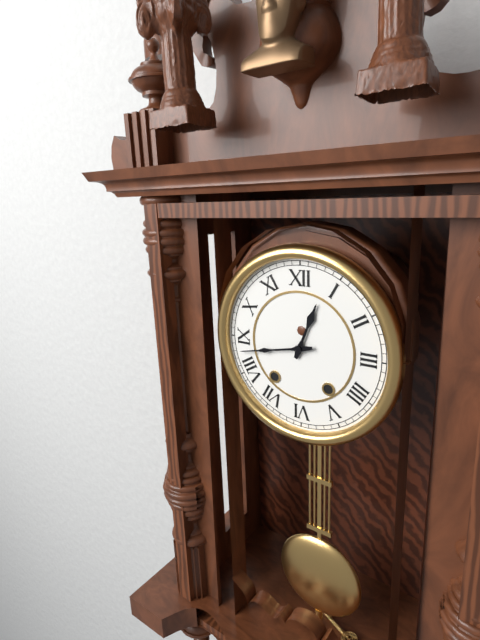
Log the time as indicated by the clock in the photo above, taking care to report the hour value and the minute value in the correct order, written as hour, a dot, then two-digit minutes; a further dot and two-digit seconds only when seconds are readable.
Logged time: 12.43
